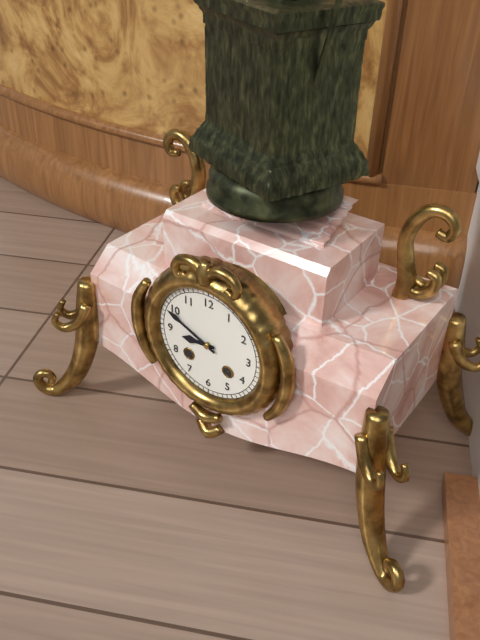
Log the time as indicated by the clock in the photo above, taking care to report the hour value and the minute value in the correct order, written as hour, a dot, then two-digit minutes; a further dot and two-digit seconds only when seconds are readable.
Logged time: 8.49
